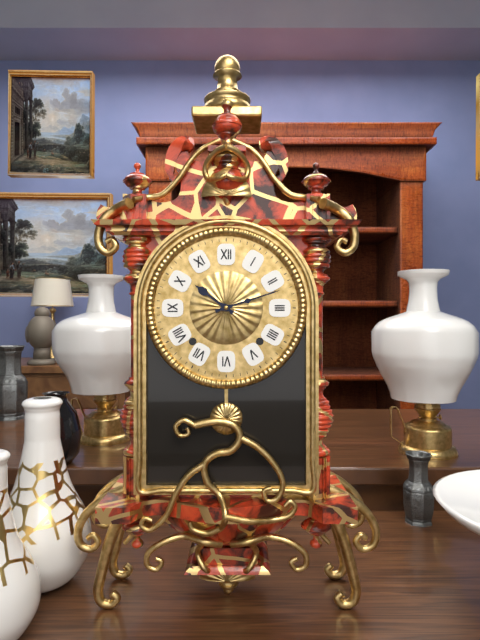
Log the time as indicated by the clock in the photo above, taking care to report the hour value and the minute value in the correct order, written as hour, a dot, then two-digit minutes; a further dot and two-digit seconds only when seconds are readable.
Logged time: 10.12
